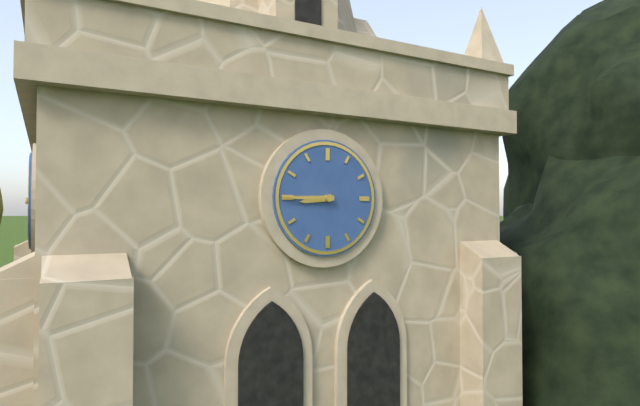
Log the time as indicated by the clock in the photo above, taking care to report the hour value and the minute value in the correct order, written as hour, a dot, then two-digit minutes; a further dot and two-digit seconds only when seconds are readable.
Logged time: 8.45
